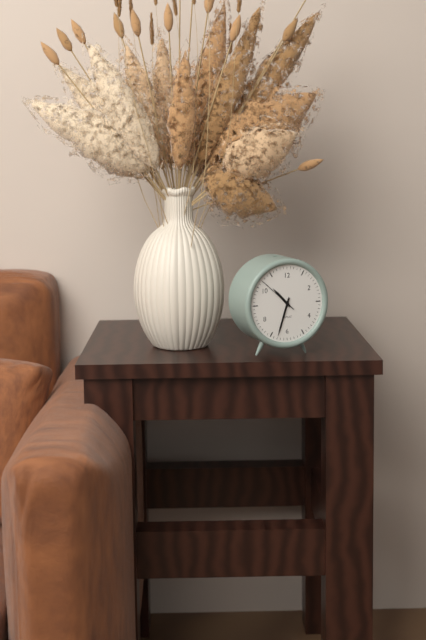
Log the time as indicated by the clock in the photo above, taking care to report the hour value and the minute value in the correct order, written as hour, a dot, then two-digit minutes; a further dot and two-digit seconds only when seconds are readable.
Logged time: 10.33
